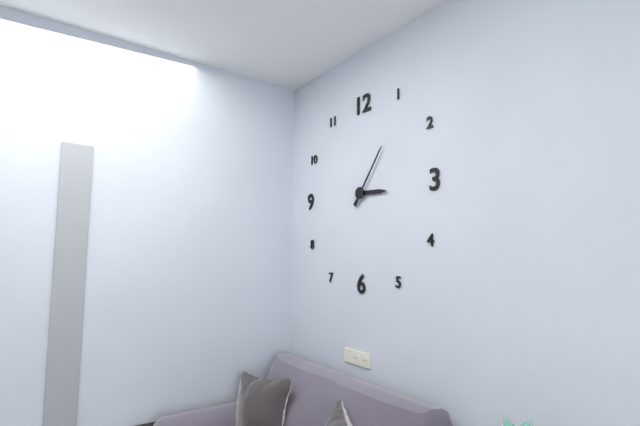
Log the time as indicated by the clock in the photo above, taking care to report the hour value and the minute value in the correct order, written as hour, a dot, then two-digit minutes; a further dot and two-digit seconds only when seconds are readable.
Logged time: 3.06
